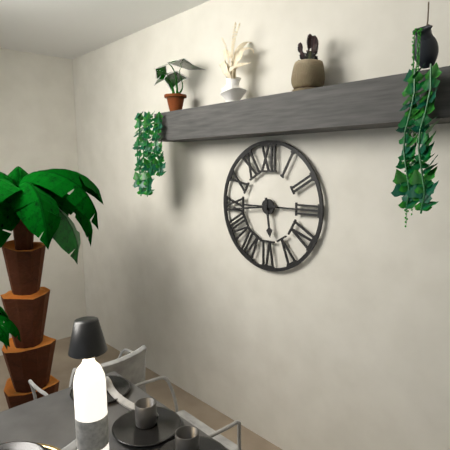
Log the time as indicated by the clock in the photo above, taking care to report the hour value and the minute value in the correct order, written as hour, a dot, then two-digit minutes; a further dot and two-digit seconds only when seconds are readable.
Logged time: 5.44
